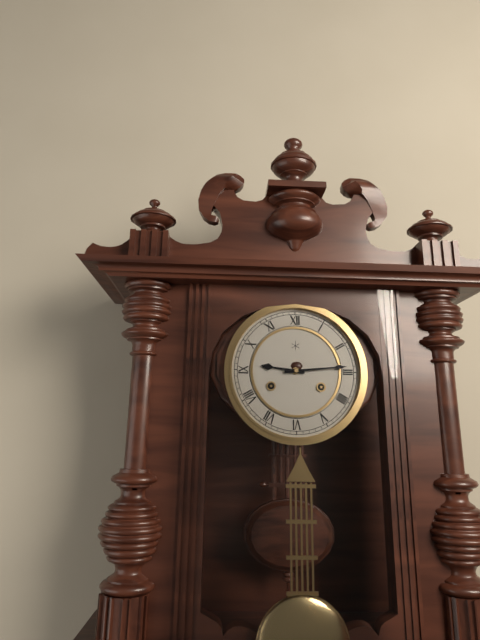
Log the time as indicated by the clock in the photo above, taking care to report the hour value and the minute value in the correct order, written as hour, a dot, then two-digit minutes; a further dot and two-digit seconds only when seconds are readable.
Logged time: 9.14
